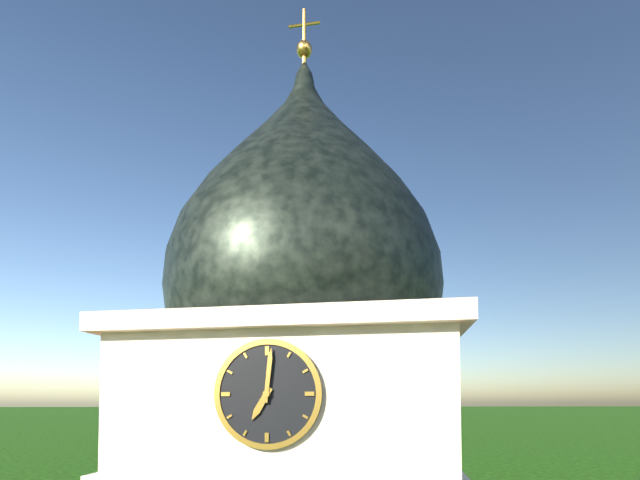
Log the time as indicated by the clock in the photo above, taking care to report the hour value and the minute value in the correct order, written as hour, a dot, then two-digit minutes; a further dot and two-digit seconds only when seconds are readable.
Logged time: 7.01
